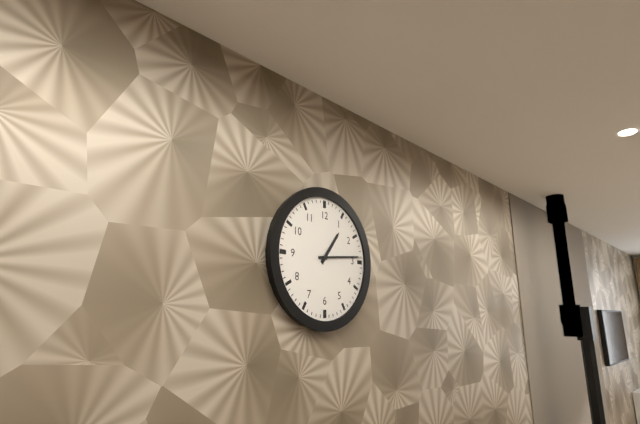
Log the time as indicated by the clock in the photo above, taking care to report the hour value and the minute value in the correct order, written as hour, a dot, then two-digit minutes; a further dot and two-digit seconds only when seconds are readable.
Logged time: 1.14
